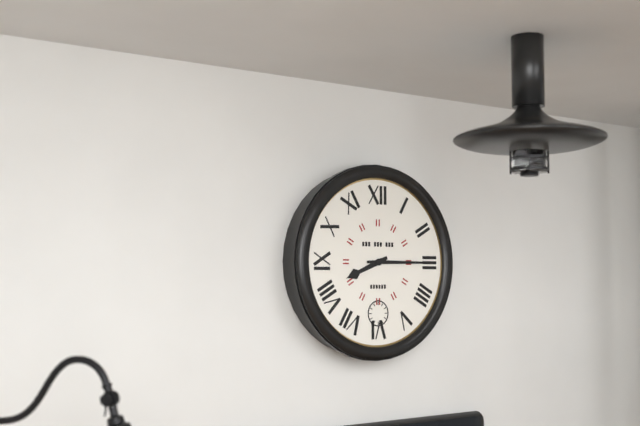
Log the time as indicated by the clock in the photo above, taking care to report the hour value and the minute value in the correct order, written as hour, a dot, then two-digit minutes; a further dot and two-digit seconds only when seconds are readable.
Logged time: 8.15
